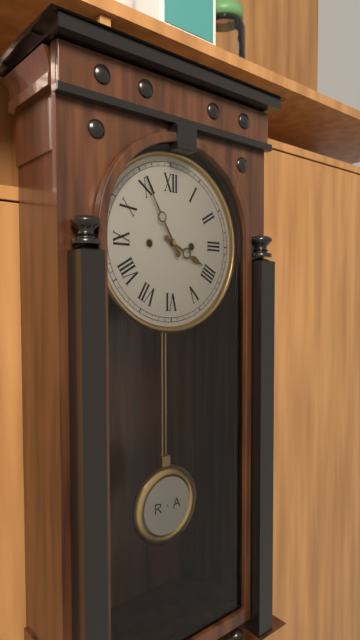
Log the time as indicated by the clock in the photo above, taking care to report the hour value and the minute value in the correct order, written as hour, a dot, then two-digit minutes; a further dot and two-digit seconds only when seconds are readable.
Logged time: 3.55
